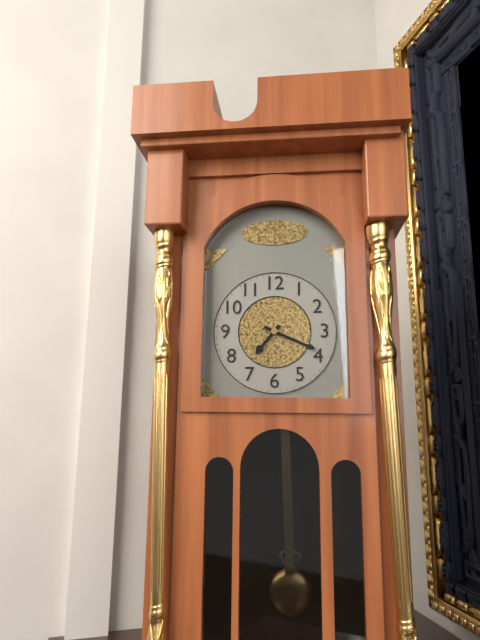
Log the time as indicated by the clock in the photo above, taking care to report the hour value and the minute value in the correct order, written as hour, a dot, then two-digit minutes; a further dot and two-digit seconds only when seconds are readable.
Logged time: 7.19
